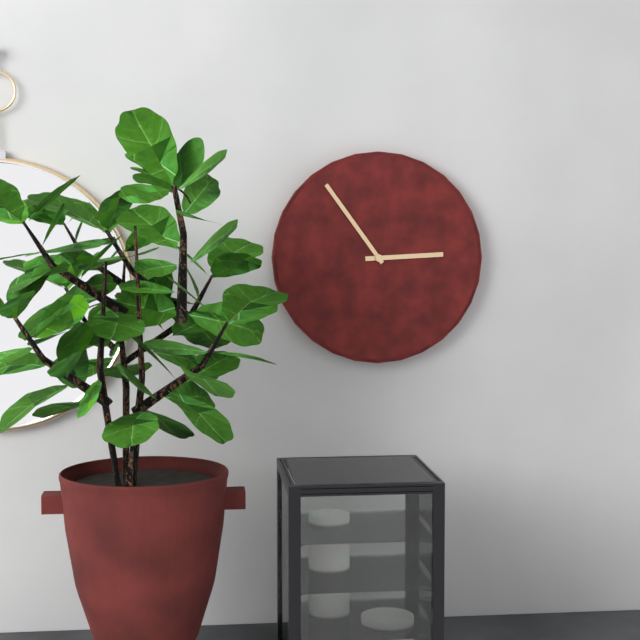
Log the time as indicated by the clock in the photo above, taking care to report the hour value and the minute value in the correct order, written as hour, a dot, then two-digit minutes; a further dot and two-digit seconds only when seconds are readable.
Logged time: 2.54
